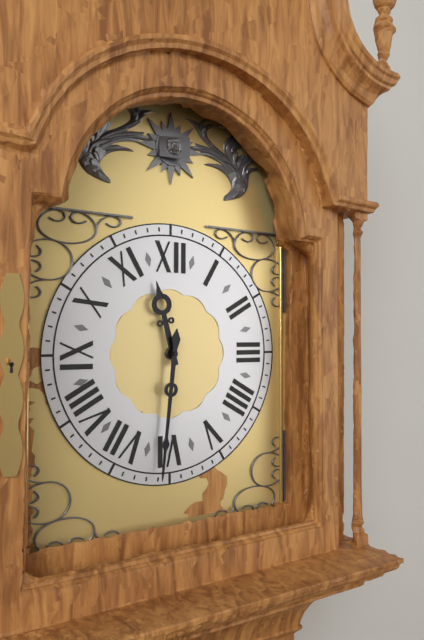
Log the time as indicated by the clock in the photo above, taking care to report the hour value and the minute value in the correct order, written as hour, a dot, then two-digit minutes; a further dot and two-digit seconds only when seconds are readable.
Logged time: 11.31
